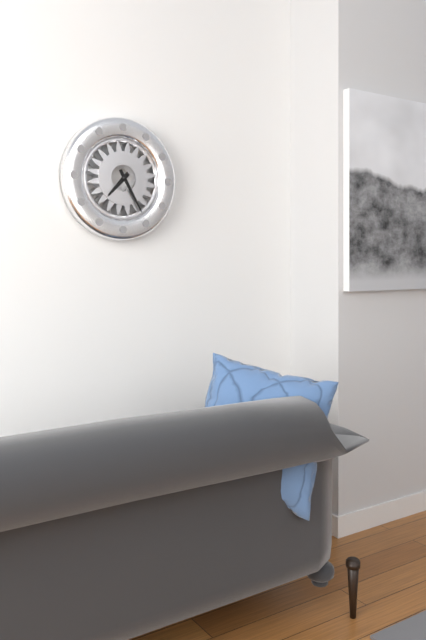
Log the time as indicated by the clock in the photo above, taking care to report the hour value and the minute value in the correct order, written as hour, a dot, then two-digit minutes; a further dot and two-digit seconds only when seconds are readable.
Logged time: 7.25
